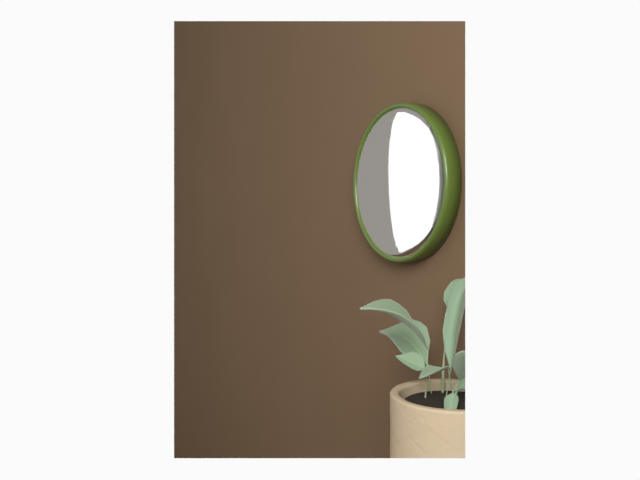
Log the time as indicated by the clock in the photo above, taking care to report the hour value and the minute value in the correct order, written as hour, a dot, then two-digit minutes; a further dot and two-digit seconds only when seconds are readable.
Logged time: 8.14
